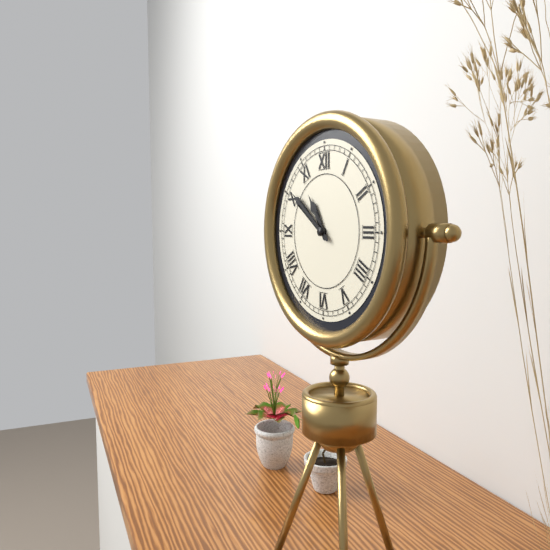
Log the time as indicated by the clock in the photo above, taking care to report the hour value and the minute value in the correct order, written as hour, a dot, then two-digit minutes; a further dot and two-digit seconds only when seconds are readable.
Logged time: 10.51
